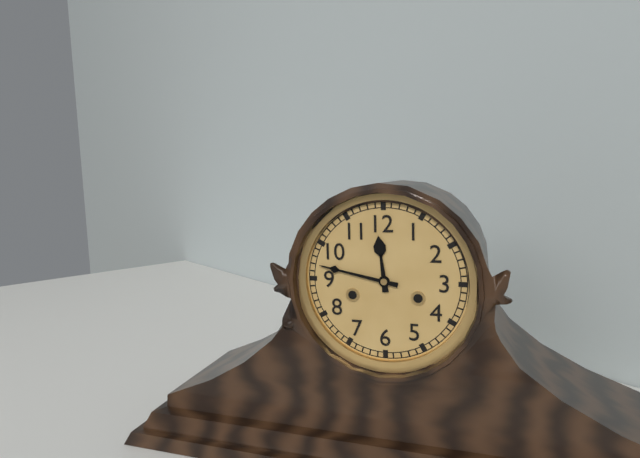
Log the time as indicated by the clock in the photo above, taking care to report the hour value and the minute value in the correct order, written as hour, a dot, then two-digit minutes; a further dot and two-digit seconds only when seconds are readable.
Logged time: 11.47
